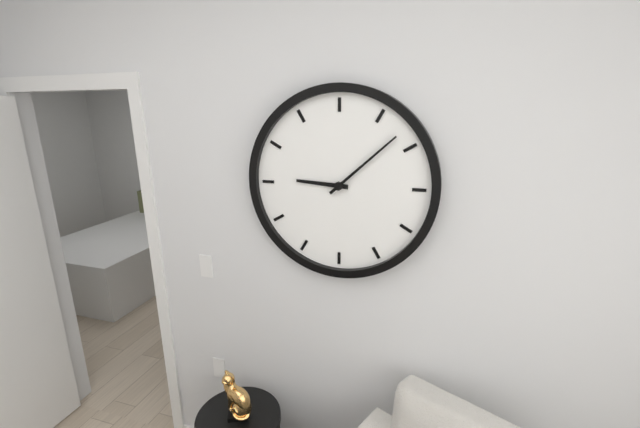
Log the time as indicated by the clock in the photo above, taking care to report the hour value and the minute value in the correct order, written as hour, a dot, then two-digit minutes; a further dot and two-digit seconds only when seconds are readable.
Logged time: 9.08
